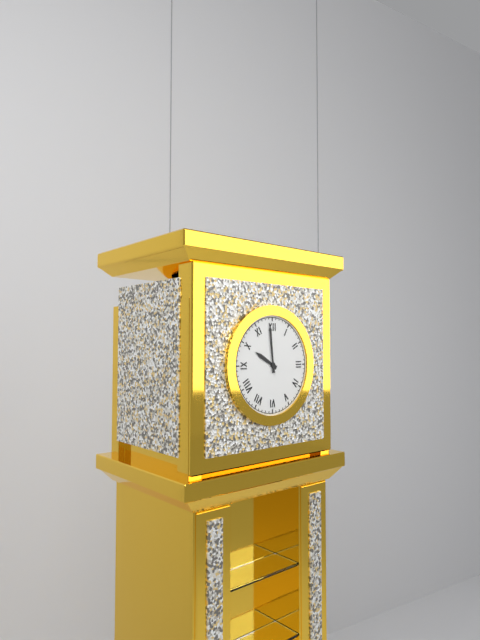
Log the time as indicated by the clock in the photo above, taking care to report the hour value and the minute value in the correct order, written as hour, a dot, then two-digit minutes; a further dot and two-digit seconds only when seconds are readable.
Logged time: 9.59
